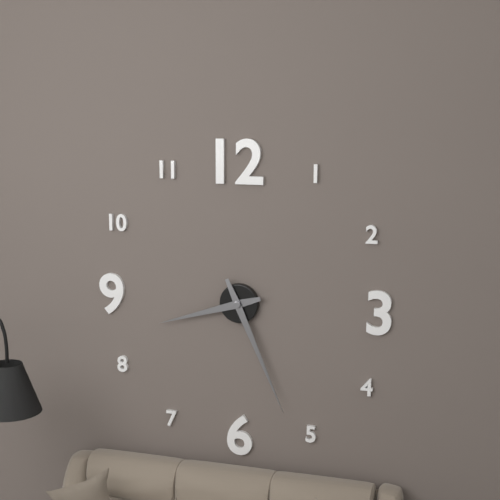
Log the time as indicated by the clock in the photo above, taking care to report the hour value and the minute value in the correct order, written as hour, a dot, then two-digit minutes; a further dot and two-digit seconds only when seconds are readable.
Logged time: 8.26
